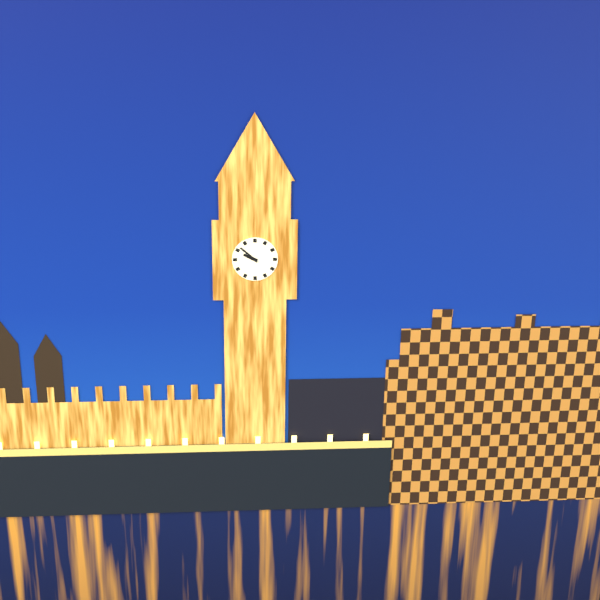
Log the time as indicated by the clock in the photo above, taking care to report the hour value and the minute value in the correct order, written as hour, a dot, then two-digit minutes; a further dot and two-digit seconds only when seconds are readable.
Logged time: 9.52
